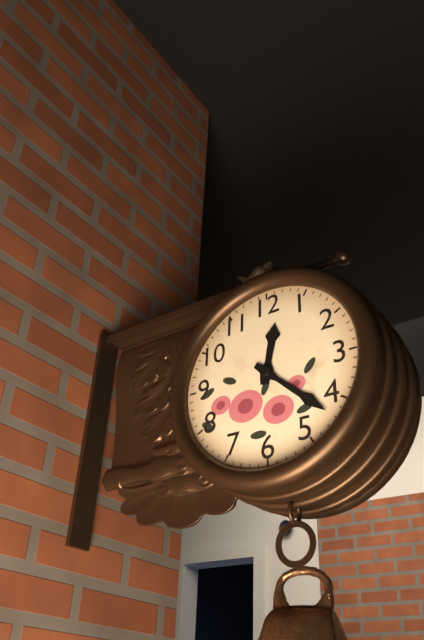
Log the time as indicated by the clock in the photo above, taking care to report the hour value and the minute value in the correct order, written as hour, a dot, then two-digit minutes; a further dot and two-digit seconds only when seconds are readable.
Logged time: 12.22
